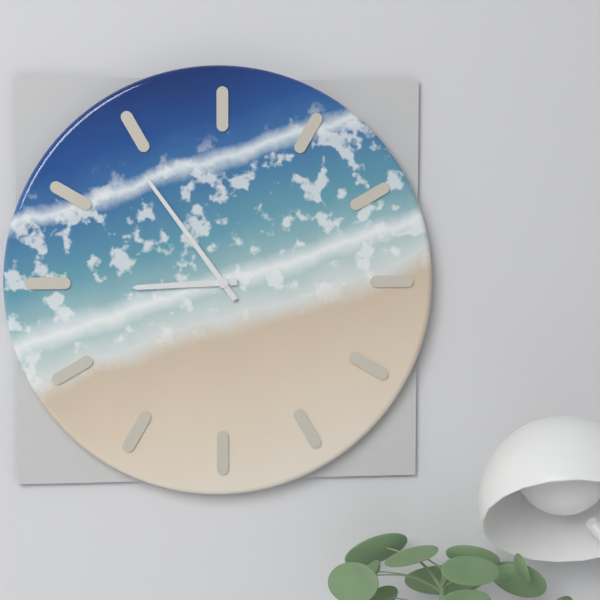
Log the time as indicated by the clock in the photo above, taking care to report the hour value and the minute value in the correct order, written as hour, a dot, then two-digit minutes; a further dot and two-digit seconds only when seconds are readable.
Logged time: 8.54
